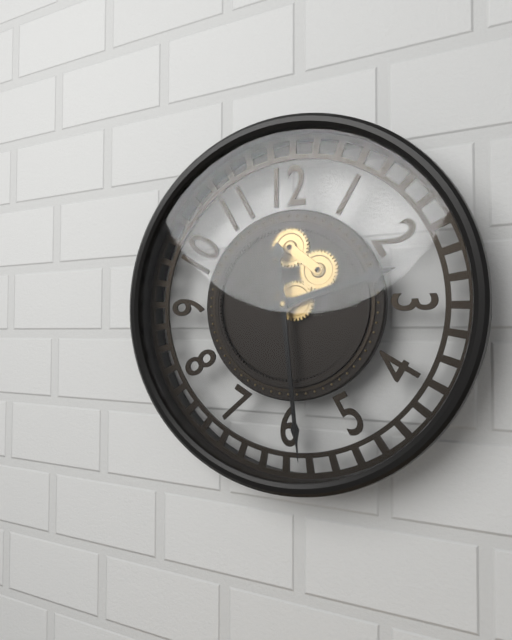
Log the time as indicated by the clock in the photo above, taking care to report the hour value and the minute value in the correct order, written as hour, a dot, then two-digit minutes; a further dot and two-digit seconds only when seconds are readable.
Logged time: 2.29
